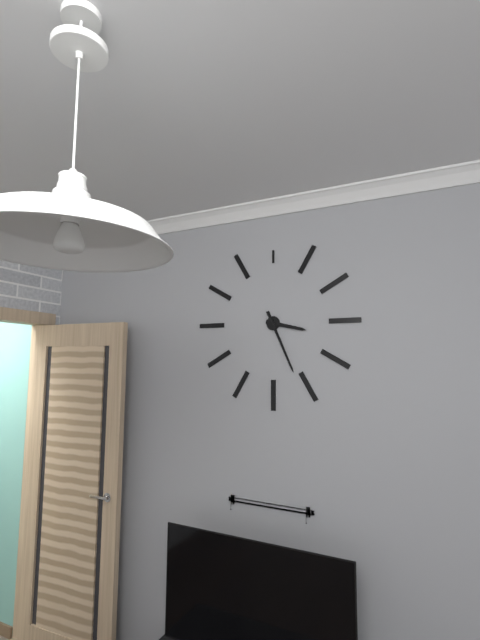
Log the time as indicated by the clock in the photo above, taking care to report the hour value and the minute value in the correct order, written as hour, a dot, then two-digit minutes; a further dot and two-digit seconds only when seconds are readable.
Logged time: 3.26
